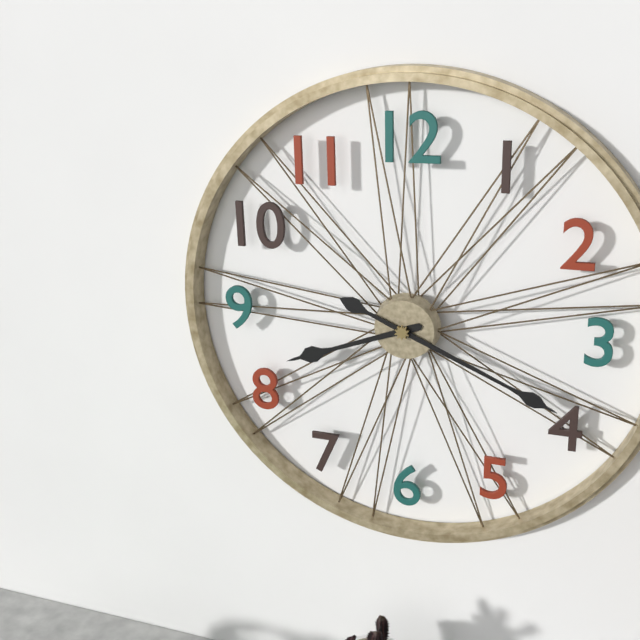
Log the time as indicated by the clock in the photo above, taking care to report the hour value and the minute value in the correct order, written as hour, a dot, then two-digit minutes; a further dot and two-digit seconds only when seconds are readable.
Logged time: 8.19
